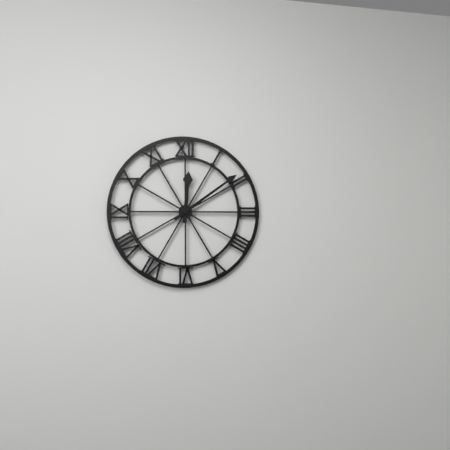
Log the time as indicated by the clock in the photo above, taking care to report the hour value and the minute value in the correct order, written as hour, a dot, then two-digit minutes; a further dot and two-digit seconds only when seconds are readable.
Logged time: 12.09
